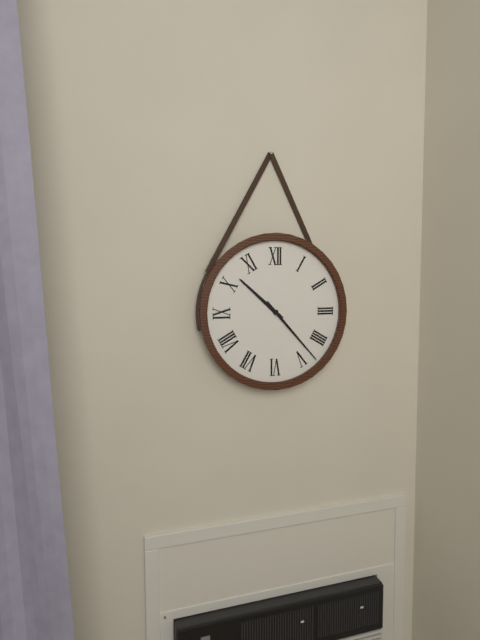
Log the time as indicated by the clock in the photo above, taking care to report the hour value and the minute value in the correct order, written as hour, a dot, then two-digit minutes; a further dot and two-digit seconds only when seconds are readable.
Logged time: 10.23
